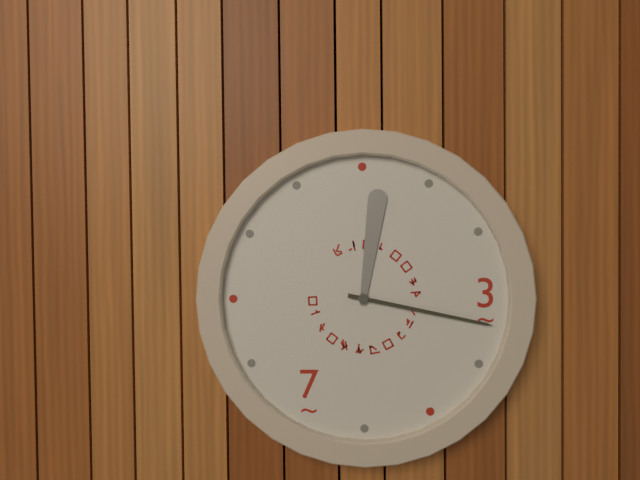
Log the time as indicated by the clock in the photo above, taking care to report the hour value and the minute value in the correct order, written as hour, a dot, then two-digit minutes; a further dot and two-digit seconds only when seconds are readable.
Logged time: 12.17
